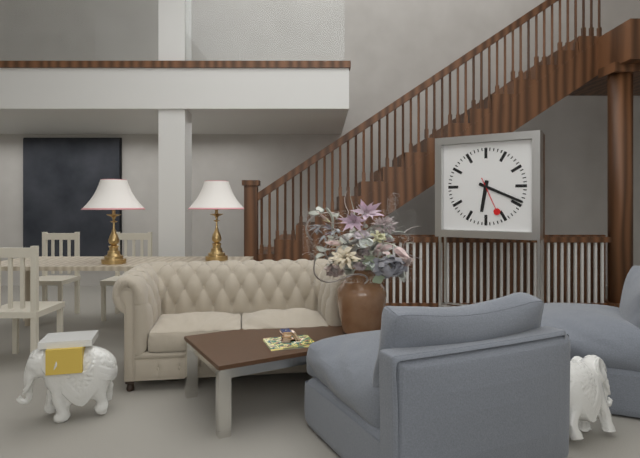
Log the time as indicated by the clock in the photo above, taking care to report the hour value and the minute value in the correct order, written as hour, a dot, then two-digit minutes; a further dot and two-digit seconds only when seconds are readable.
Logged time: 6.19
